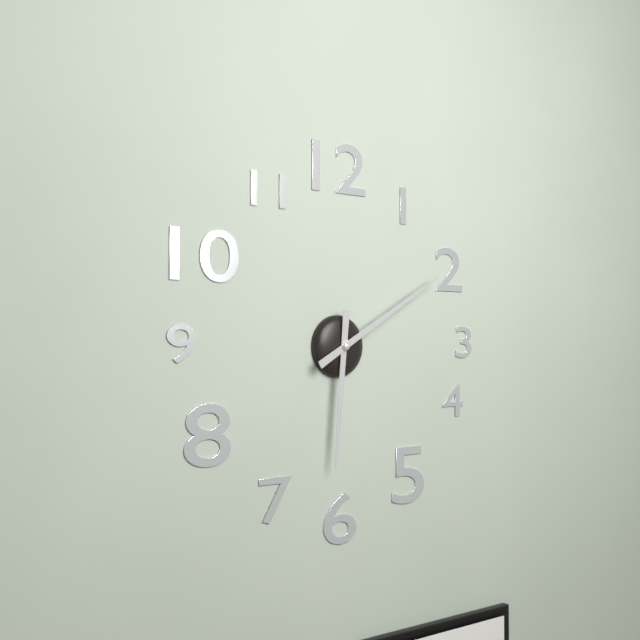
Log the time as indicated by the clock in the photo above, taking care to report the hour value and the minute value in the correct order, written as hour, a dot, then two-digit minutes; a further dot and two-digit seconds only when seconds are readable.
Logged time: 6.10
